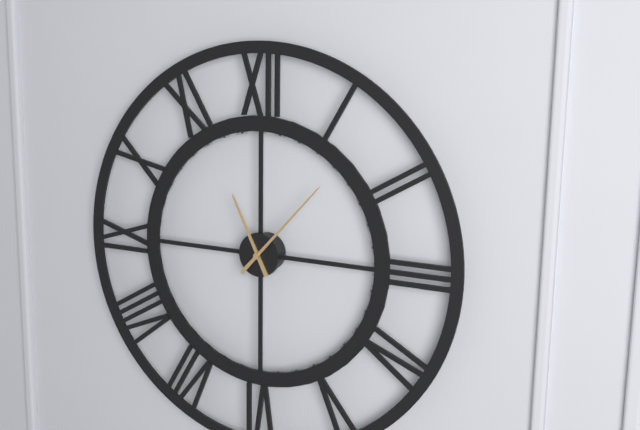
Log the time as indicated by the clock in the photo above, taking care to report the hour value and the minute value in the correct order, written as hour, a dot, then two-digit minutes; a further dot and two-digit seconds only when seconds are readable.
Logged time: 11.07
